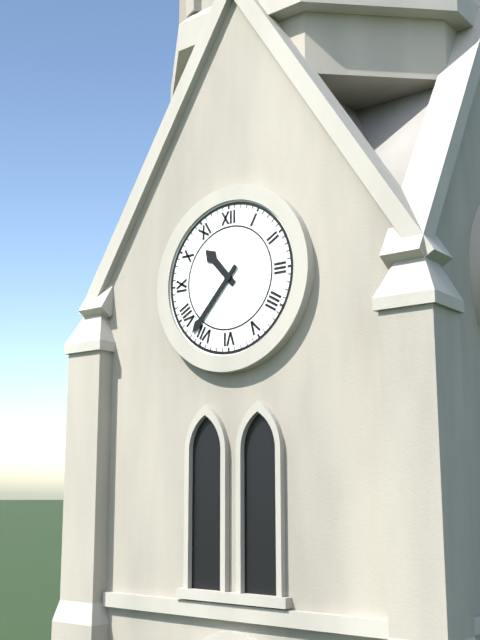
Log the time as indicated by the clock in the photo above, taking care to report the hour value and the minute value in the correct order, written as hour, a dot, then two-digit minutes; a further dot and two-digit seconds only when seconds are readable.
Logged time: 10.37
